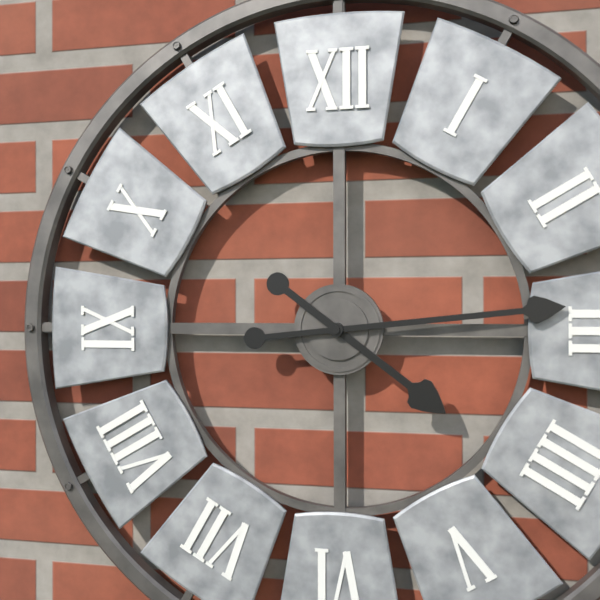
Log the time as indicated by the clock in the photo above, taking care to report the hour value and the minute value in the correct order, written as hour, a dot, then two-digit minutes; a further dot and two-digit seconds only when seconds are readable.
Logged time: 4.14
